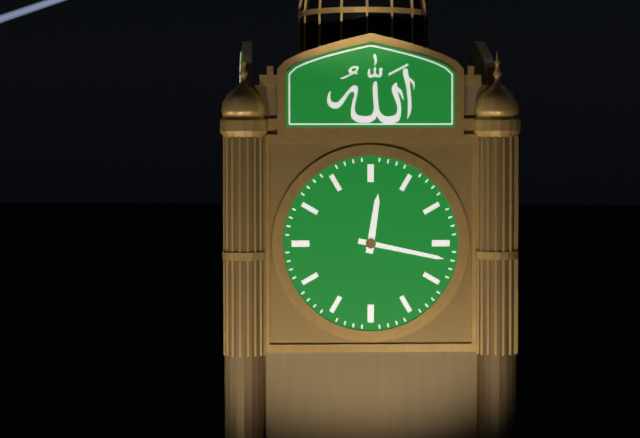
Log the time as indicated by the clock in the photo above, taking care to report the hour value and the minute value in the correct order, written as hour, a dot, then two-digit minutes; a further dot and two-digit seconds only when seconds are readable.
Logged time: 12.17
